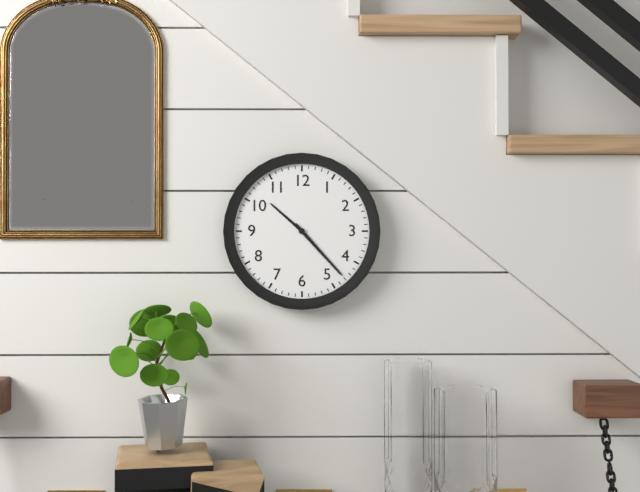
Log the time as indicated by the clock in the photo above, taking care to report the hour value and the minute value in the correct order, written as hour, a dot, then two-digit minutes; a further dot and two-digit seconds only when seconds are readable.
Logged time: 10.23
